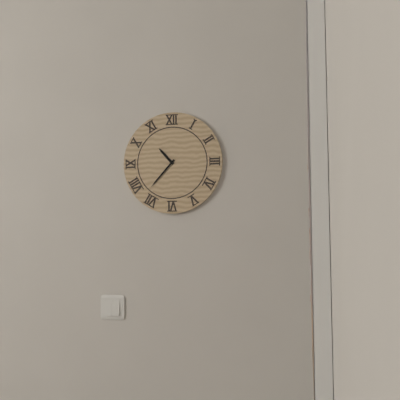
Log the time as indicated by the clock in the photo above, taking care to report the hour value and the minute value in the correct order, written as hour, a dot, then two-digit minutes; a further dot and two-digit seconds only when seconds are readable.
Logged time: 10.37
